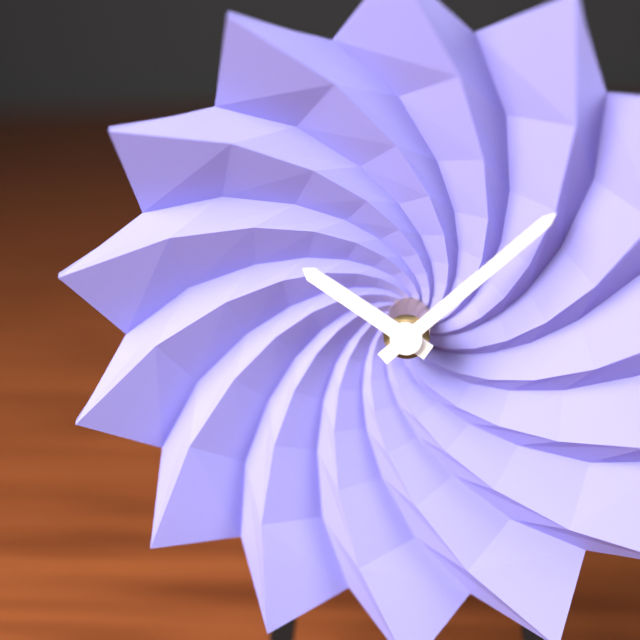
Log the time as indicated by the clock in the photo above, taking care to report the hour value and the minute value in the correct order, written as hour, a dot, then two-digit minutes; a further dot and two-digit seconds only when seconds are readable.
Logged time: 10.08
